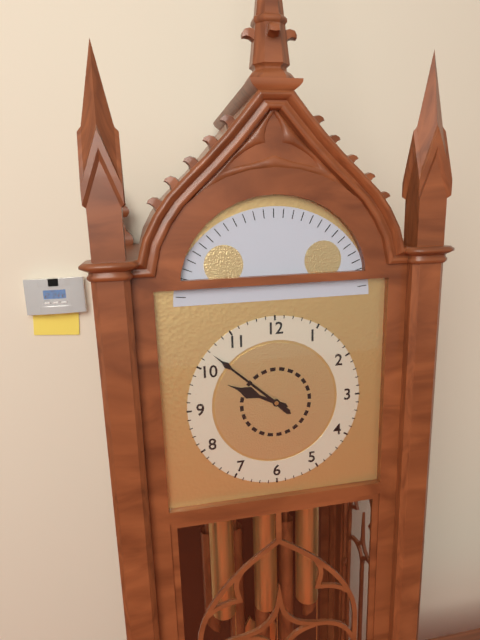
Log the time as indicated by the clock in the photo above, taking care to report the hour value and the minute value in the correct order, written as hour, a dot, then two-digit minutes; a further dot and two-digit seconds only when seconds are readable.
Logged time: 9.52
